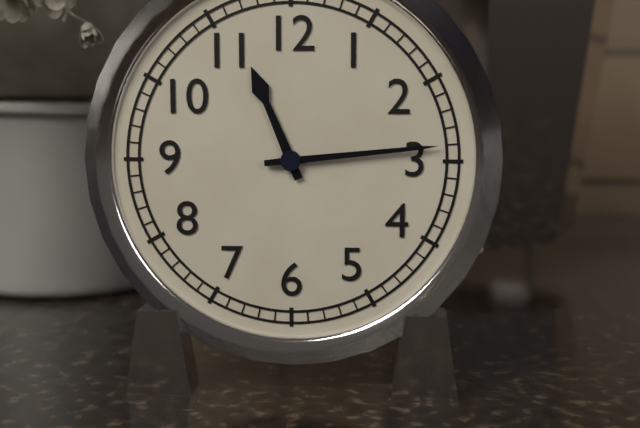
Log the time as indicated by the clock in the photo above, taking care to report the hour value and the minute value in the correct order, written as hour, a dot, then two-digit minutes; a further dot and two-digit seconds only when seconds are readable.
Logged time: 11.14
